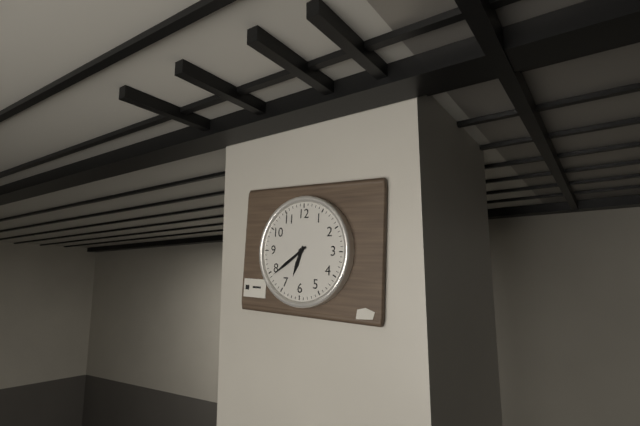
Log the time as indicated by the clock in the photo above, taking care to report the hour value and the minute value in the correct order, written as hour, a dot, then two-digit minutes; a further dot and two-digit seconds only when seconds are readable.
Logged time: 6.39
